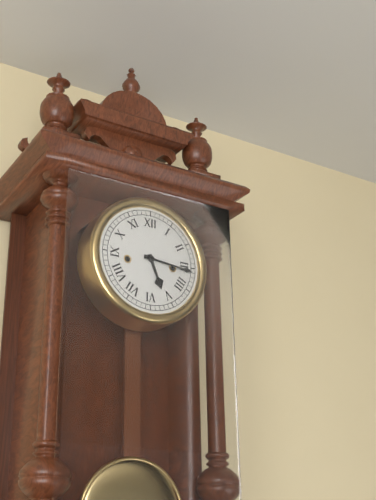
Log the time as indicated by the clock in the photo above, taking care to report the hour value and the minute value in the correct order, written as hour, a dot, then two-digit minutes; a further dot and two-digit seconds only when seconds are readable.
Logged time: 5.16
